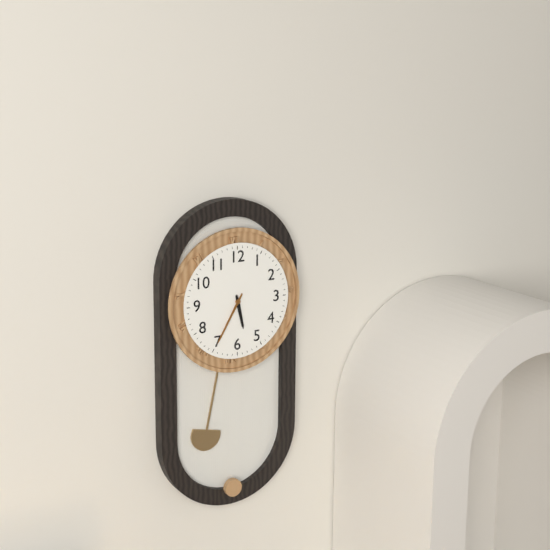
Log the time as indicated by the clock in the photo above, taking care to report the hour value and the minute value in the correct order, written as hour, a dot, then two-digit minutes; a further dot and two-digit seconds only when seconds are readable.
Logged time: 5.35
